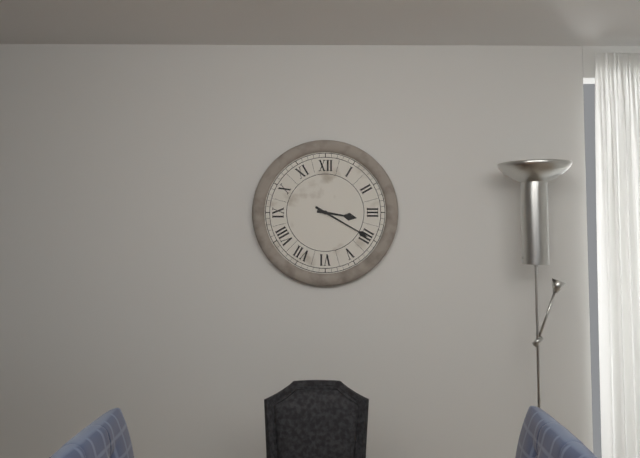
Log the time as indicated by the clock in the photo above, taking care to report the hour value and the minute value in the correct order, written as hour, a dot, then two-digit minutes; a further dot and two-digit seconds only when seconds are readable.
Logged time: 3.20
